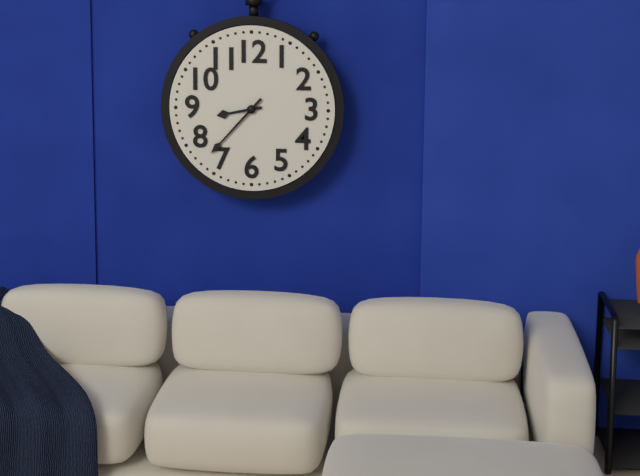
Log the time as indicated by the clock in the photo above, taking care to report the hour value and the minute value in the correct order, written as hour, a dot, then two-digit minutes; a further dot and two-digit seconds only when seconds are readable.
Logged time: 8.37
